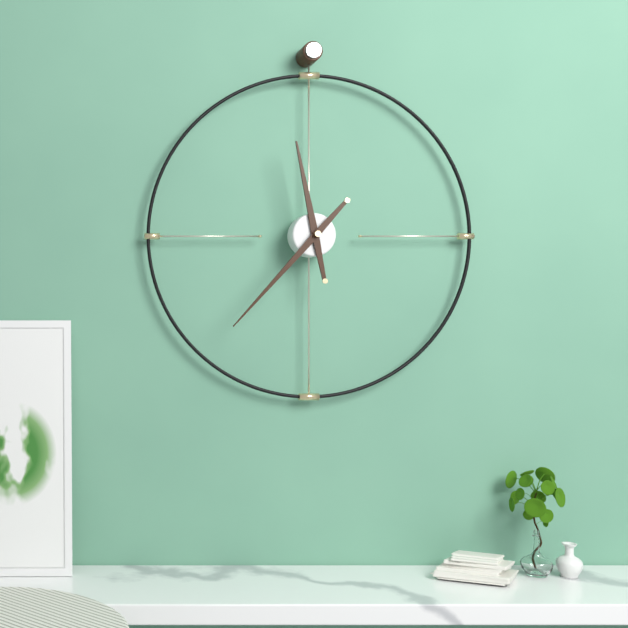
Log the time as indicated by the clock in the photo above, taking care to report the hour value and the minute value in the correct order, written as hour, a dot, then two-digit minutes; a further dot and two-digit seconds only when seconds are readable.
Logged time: 11.37
